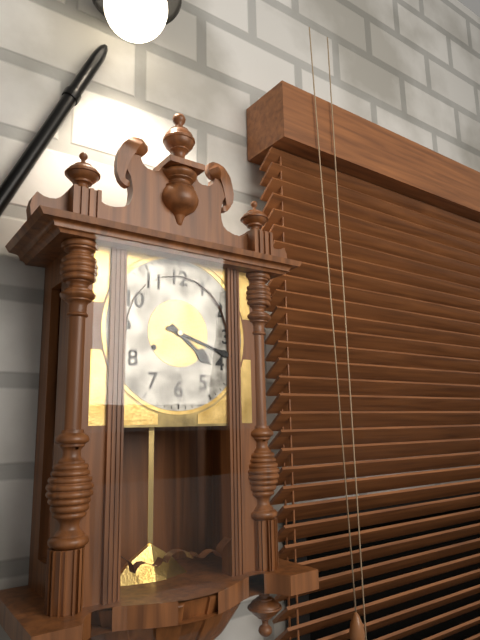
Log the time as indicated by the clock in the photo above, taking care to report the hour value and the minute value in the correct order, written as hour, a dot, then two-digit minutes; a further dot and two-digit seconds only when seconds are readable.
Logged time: 4.18
